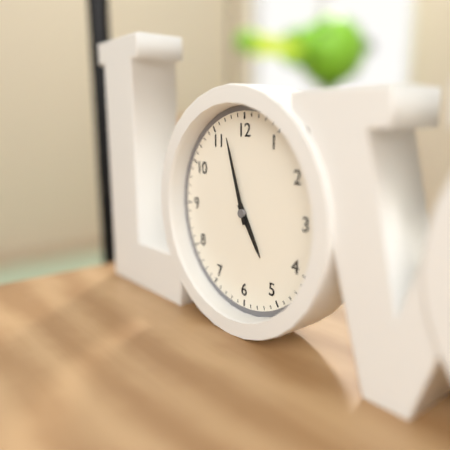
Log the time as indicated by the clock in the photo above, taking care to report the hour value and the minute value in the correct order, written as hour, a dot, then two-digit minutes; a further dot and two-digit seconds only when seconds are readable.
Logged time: 4.57
